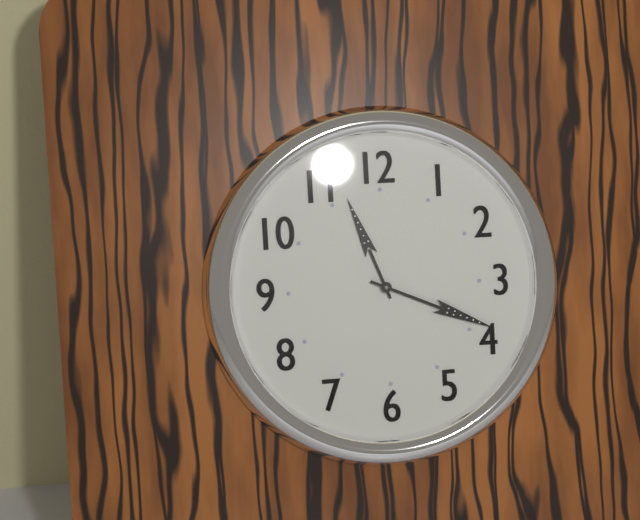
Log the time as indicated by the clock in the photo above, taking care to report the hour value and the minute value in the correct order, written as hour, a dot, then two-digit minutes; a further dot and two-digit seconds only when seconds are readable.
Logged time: 11.19
